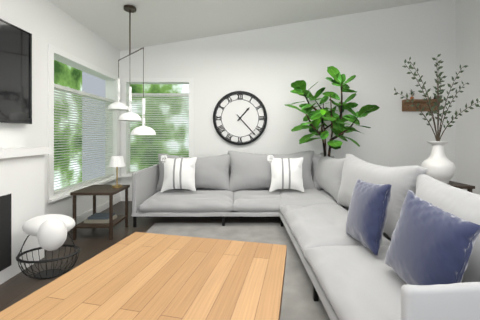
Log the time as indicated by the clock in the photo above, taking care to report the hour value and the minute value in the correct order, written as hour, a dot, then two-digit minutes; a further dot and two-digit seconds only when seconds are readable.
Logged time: 1.23
